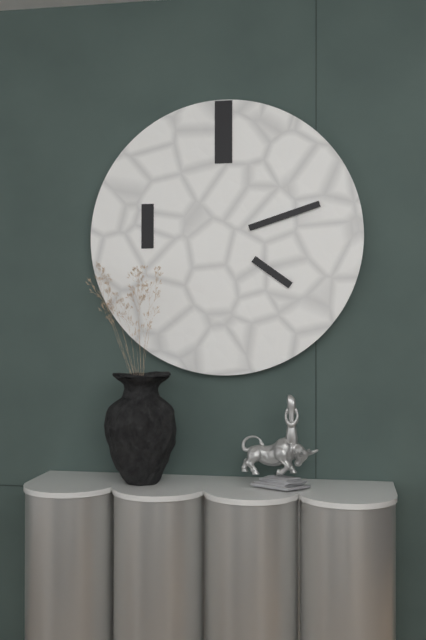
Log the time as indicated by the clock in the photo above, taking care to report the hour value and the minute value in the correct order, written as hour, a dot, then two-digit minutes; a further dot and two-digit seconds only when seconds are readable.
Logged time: 4.12
